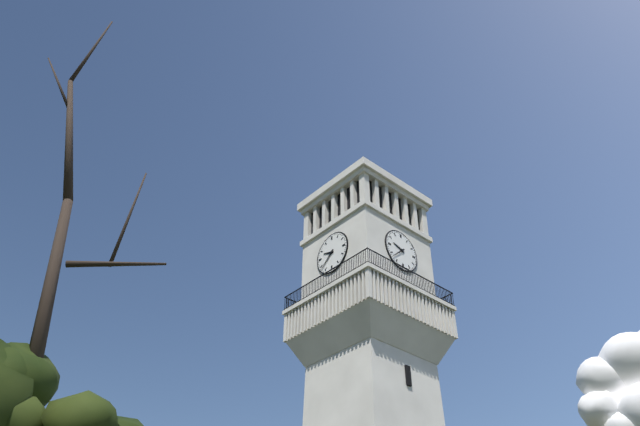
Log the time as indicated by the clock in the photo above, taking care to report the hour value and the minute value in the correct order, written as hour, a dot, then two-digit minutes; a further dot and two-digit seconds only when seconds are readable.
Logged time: 9.38
